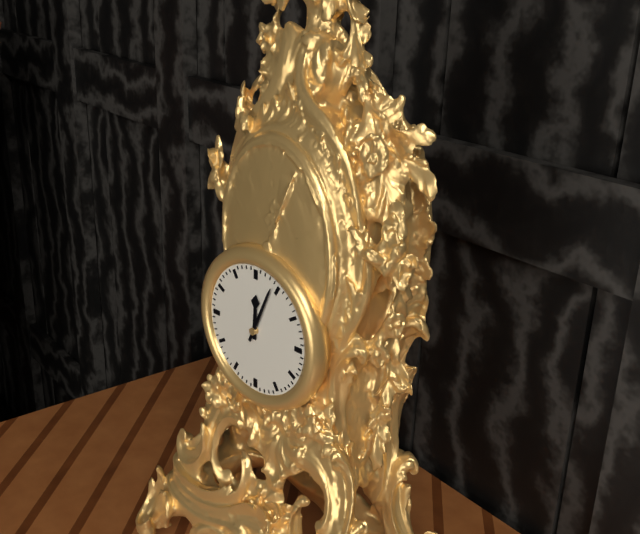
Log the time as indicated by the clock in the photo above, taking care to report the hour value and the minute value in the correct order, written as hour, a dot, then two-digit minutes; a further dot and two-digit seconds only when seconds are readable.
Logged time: 12.04
